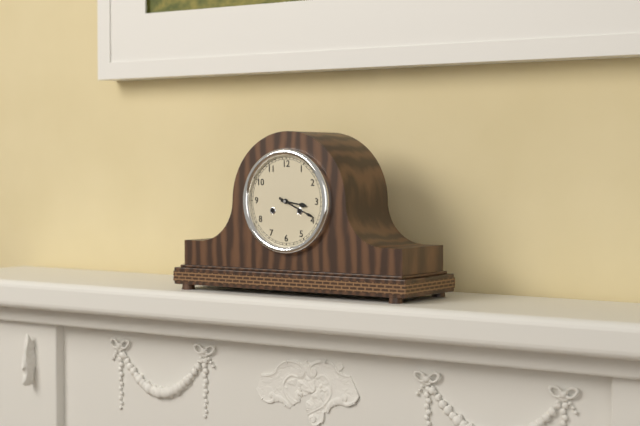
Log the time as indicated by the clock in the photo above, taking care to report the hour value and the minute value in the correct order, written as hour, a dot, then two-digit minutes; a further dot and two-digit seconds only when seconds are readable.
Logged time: 3.19
